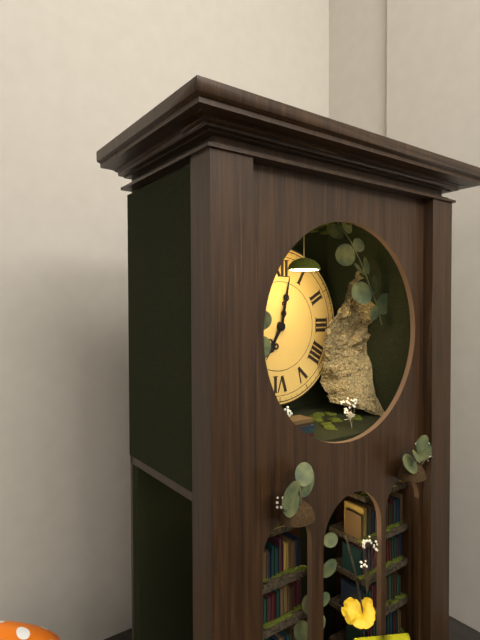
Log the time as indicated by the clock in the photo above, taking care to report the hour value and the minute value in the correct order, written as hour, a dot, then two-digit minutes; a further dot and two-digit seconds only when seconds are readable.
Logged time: 7.02
